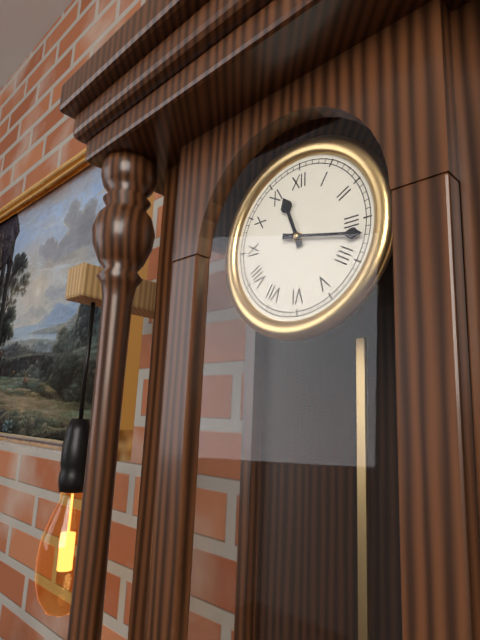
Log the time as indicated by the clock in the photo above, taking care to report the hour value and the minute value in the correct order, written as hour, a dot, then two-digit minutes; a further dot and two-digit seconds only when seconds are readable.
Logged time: 11.17
